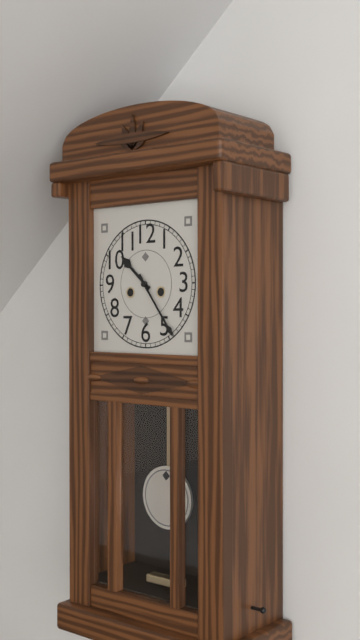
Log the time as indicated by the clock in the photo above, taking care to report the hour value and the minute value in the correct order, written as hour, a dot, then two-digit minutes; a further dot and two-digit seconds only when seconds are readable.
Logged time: 10.24
